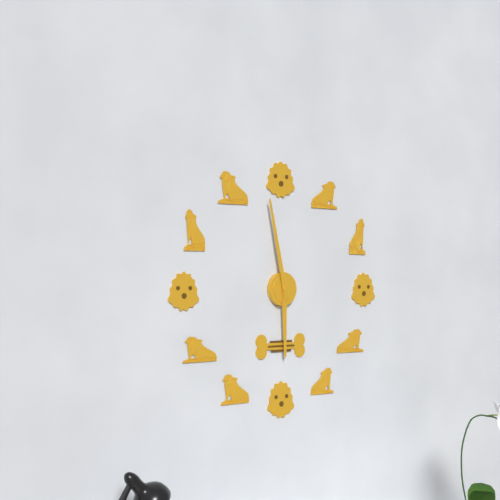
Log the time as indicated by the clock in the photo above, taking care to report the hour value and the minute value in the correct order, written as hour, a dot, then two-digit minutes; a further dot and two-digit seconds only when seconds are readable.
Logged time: 5.58
